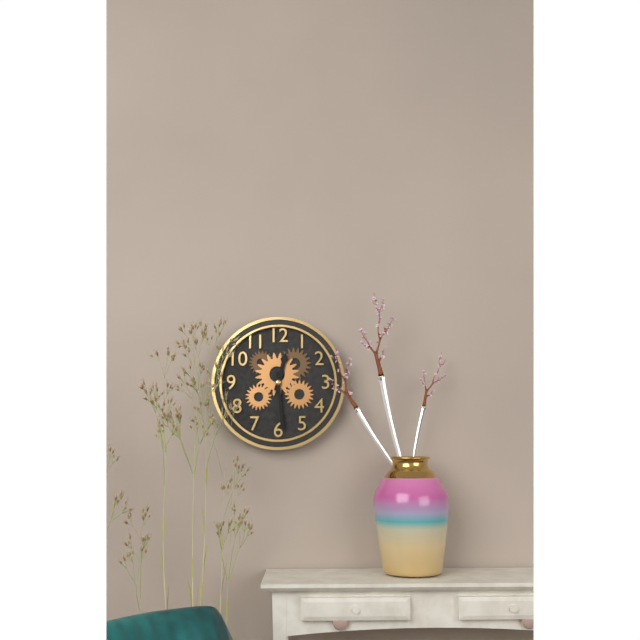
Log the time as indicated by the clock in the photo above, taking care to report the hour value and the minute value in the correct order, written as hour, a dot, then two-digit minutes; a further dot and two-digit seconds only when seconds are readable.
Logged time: 12.29
